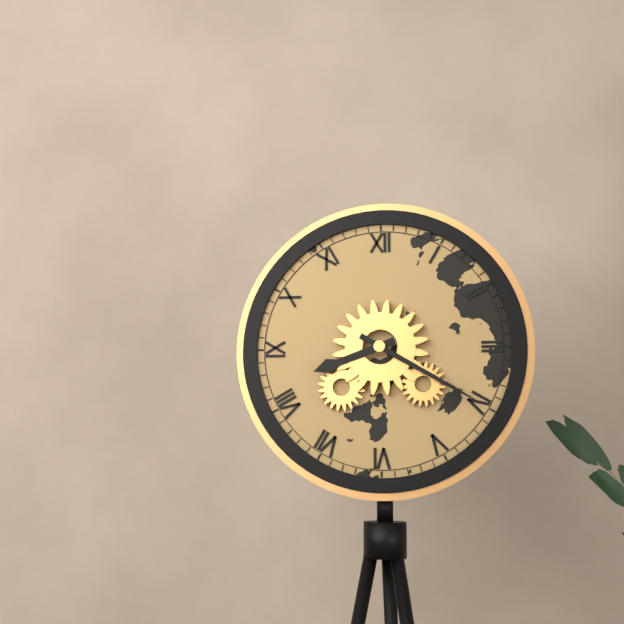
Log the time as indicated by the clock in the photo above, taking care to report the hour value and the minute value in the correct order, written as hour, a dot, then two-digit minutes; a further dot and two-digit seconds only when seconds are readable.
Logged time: 8.20
